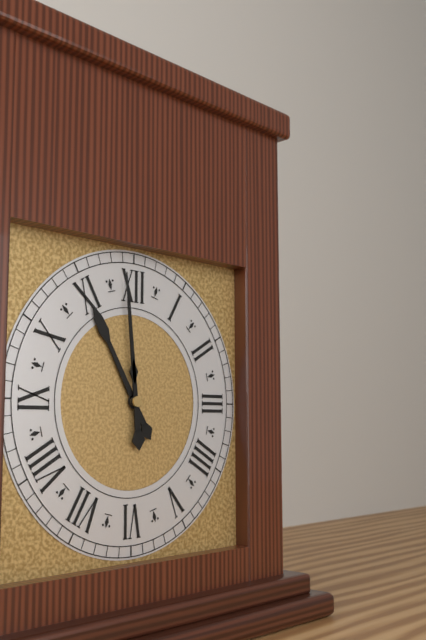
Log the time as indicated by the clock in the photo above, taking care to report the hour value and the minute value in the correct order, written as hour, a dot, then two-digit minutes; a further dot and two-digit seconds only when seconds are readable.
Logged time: 10.59
